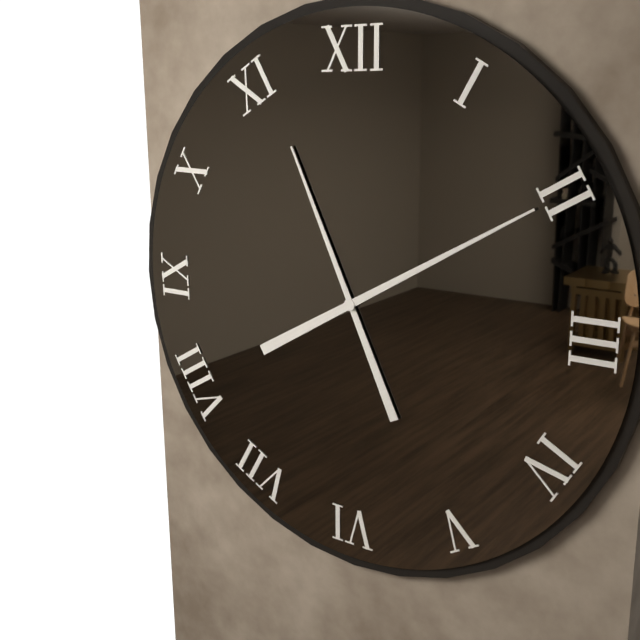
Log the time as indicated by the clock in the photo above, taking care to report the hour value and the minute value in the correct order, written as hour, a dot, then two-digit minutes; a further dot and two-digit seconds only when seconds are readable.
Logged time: 11.10
